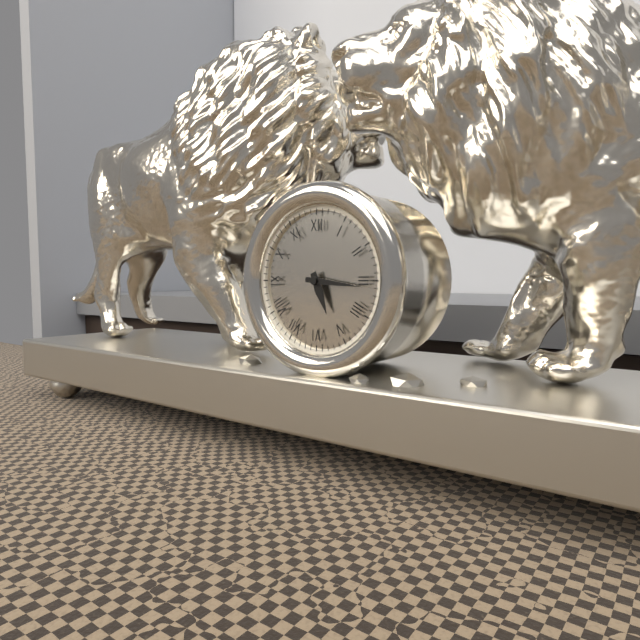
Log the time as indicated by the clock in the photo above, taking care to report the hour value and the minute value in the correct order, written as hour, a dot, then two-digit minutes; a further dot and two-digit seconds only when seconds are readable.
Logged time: 5.16
